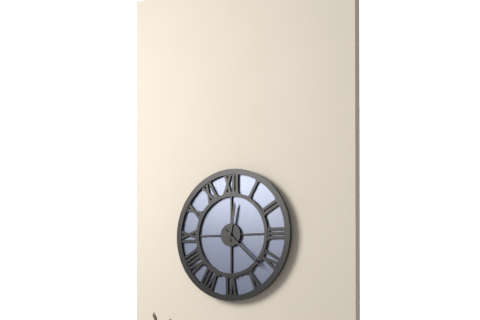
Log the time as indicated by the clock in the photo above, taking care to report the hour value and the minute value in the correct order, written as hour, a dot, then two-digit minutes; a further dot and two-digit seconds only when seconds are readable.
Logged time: 12.22
